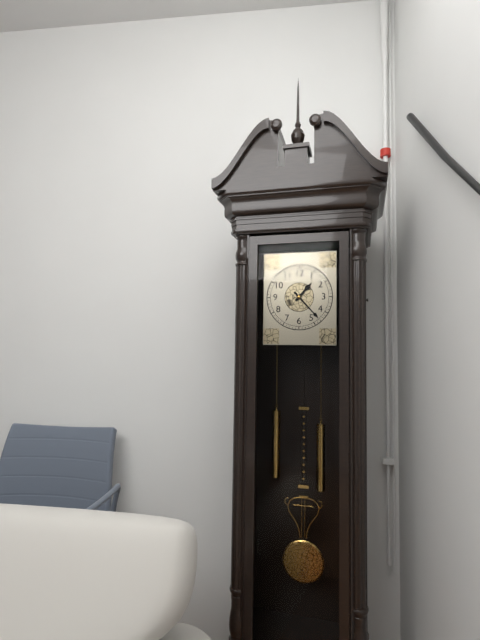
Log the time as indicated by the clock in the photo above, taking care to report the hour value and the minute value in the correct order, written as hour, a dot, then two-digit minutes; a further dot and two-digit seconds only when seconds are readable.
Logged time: 1.23
